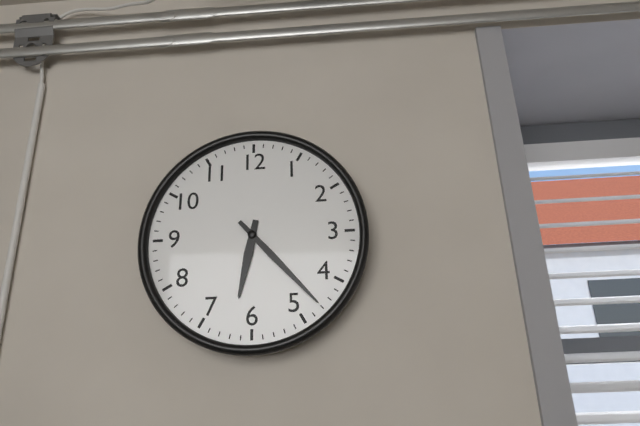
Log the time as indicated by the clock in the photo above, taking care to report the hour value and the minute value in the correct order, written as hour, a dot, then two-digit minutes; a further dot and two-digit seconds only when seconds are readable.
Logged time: 6.23
